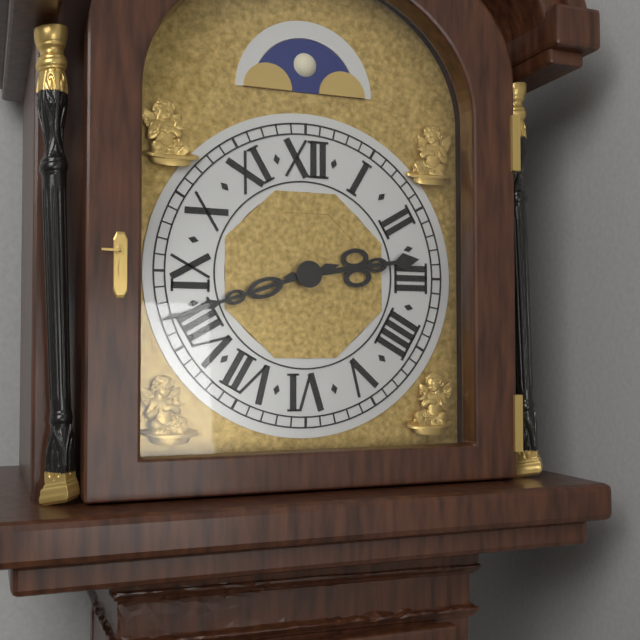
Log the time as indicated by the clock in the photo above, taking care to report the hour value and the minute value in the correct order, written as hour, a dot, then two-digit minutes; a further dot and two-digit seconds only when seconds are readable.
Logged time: 2.42
